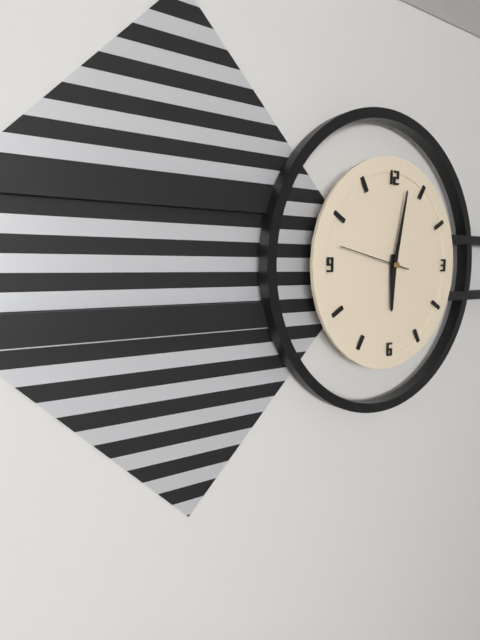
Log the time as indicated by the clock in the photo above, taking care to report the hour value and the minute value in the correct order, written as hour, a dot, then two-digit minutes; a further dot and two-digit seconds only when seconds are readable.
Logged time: 6.02
